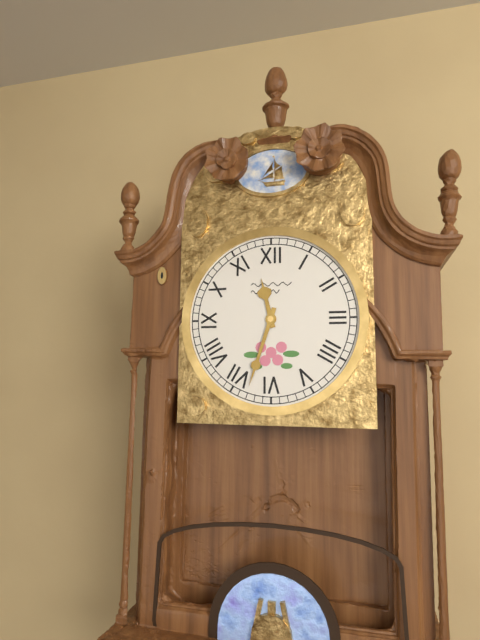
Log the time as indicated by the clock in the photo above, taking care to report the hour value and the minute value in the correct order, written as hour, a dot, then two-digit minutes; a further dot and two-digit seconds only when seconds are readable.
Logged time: 11.33
